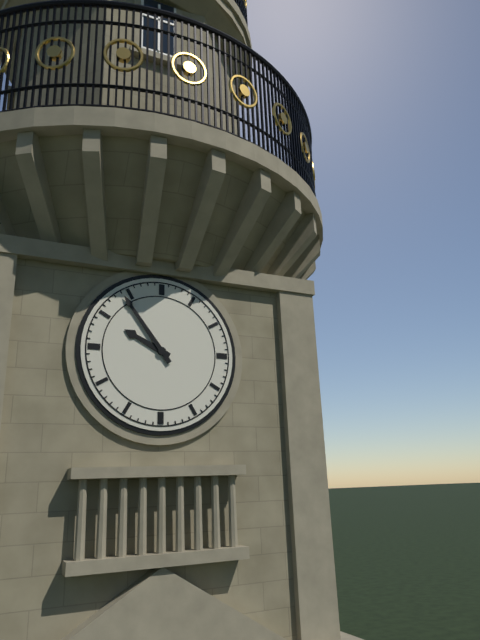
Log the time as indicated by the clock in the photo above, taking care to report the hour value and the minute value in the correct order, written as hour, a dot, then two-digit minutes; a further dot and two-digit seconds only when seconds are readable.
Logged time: 9.54
